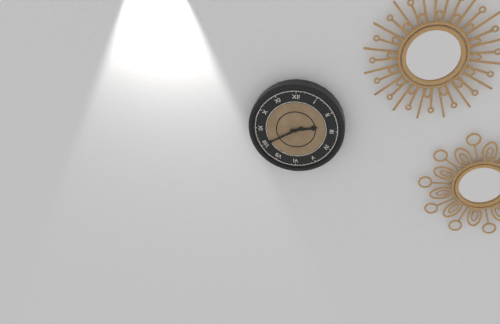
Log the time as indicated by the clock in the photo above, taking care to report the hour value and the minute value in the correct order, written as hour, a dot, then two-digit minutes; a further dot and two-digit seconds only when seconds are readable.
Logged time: 2.40
